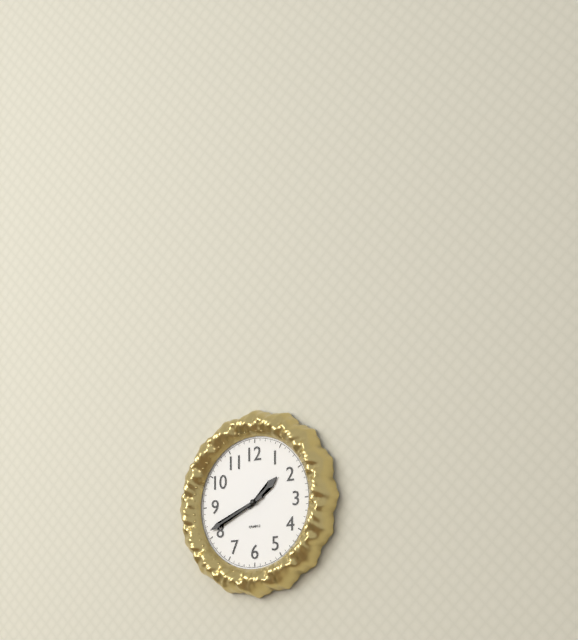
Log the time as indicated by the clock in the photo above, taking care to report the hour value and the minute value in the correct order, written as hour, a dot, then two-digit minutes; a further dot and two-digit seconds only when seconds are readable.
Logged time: 1.41
